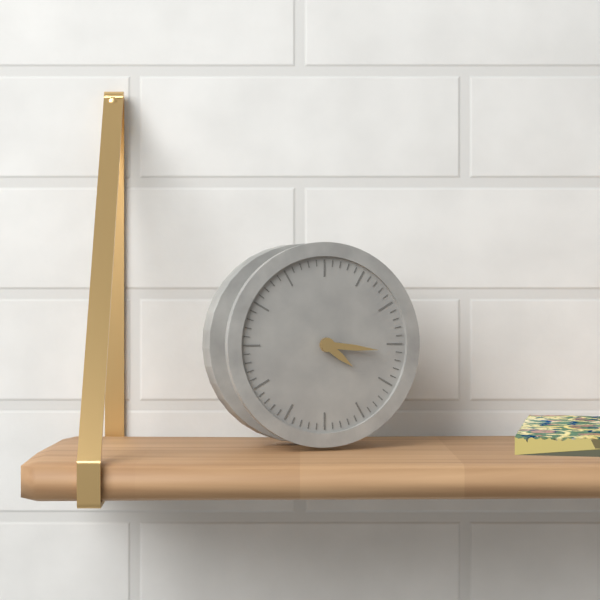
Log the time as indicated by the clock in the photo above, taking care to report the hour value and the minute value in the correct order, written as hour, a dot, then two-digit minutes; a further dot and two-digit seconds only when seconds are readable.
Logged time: 4.16
